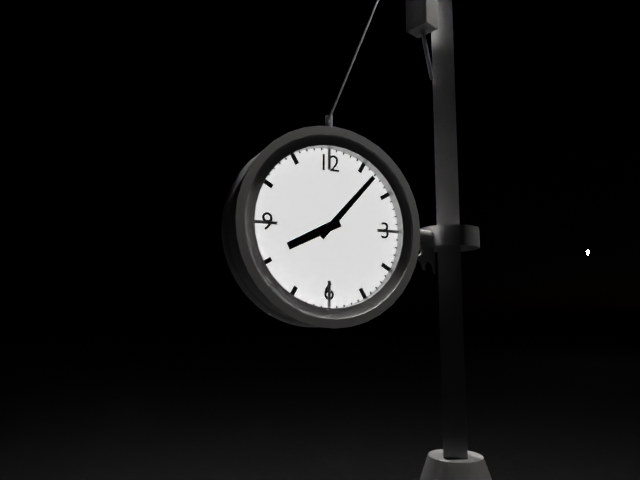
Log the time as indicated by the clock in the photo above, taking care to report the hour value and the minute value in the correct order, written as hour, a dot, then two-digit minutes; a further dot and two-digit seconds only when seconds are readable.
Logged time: 8.07
